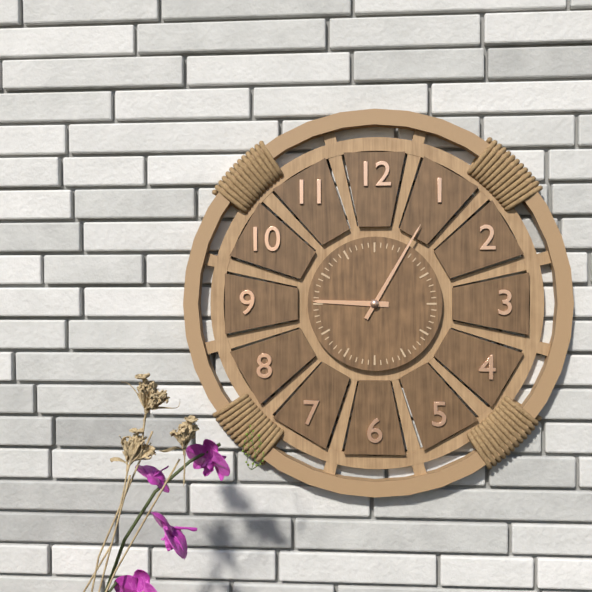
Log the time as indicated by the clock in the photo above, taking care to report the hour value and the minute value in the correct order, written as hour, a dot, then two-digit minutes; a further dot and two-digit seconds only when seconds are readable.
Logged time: 9.05
